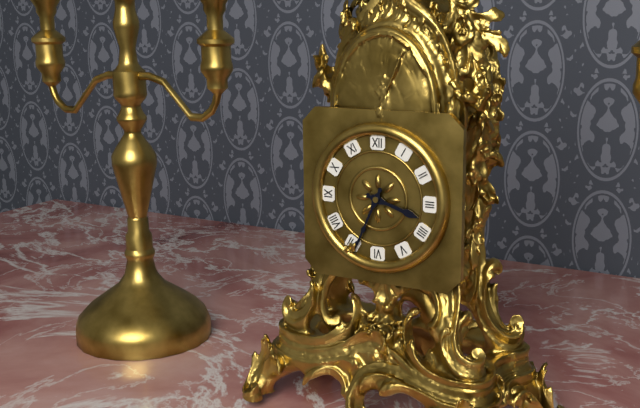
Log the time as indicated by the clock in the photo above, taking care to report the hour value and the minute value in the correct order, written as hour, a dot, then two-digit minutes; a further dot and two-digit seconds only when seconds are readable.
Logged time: 3.34
